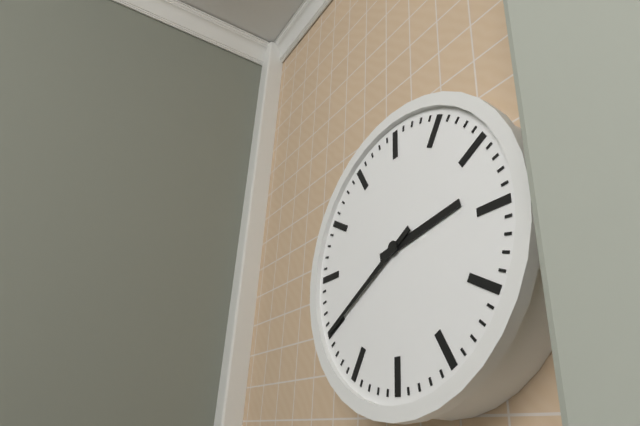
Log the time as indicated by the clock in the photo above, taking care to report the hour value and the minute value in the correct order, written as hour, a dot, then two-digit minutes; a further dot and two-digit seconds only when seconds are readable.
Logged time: 2.40
